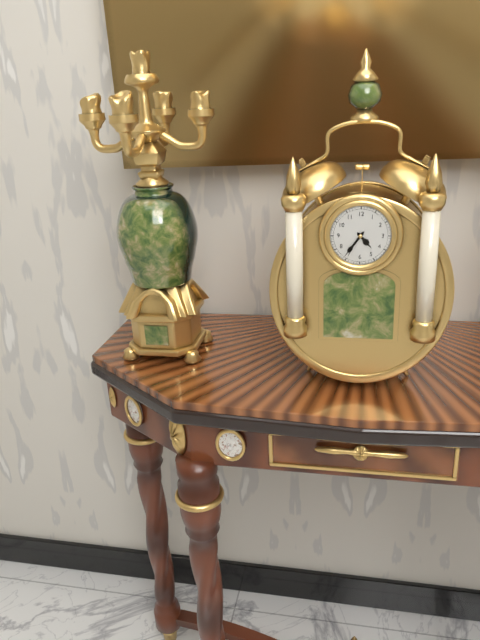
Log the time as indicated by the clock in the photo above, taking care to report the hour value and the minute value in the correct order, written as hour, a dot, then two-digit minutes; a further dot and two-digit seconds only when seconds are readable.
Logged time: 4.36
